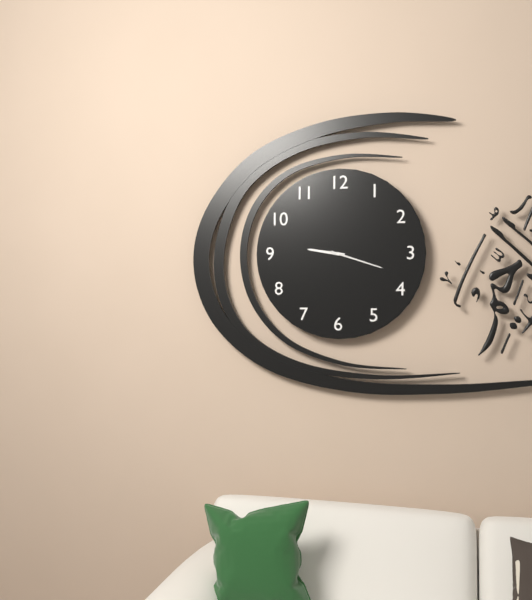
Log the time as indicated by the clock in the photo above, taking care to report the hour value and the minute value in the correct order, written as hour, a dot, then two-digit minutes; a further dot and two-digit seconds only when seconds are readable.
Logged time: 9.18
